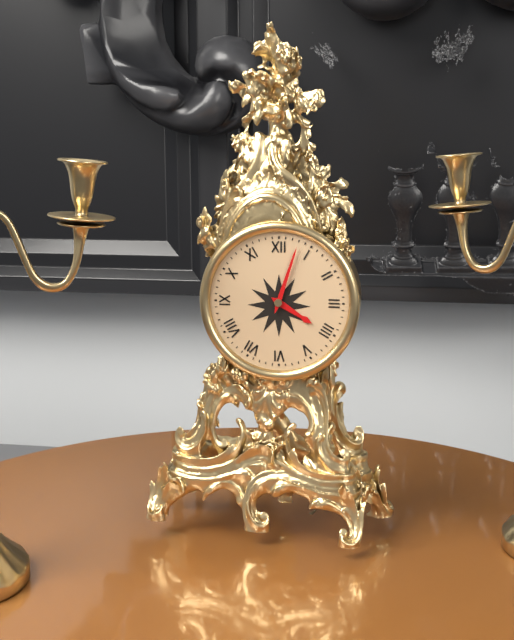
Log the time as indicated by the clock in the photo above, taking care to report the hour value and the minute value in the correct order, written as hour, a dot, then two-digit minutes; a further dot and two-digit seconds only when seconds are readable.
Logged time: 4.03
